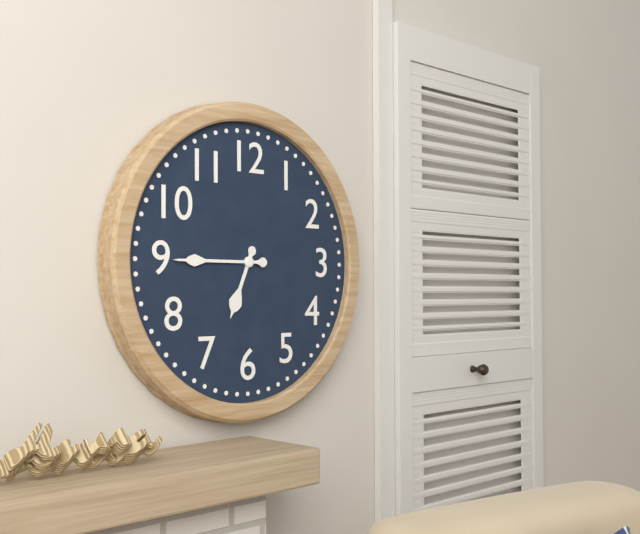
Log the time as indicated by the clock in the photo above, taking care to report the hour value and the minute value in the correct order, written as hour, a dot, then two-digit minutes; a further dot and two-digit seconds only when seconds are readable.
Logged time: 6.45
